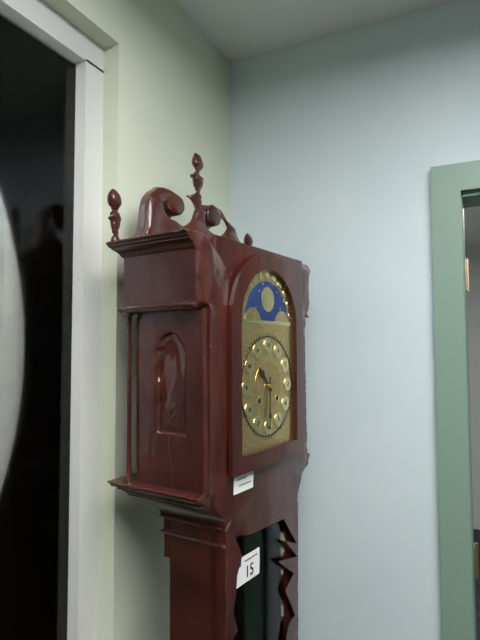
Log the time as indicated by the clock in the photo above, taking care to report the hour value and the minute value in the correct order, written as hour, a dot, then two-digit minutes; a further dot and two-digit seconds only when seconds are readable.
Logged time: 10.30
